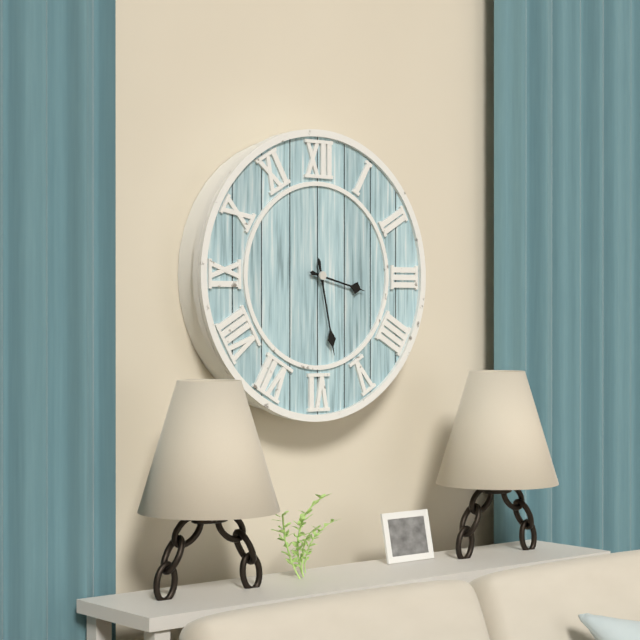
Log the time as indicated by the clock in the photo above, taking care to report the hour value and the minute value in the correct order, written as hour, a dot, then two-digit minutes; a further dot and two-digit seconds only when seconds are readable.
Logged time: 3.28
